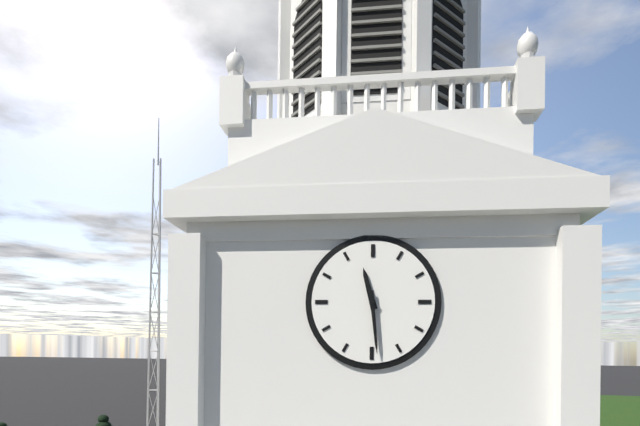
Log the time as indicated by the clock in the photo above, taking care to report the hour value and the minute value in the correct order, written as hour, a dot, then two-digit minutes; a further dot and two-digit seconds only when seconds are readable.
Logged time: 11.29
